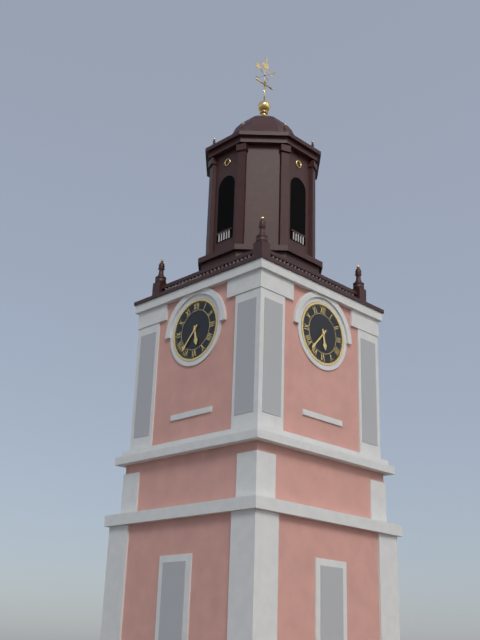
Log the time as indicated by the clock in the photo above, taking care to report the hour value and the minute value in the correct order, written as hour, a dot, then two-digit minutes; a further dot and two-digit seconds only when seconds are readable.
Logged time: 5.37
